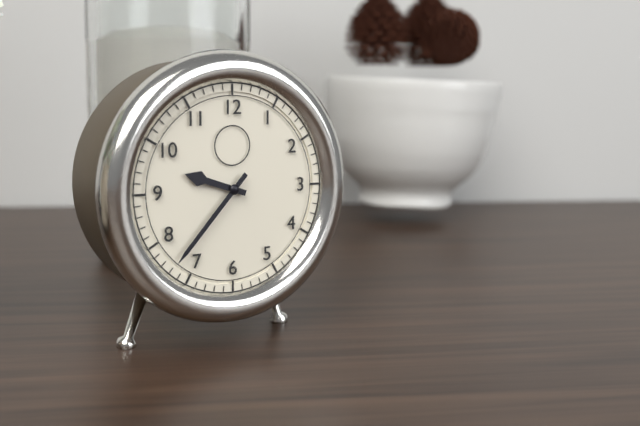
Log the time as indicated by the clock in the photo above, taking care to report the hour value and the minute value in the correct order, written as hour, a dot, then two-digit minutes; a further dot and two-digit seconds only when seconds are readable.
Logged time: 9.37
